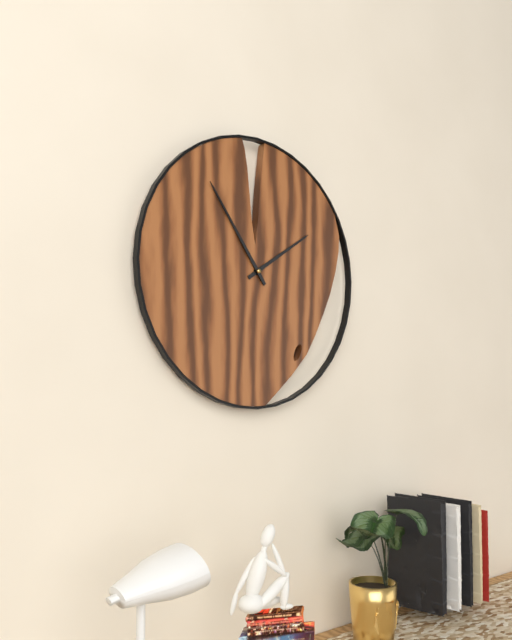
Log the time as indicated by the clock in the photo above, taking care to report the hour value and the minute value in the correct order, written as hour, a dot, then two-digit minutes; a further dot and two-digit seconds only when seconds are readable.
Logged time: 1.54
